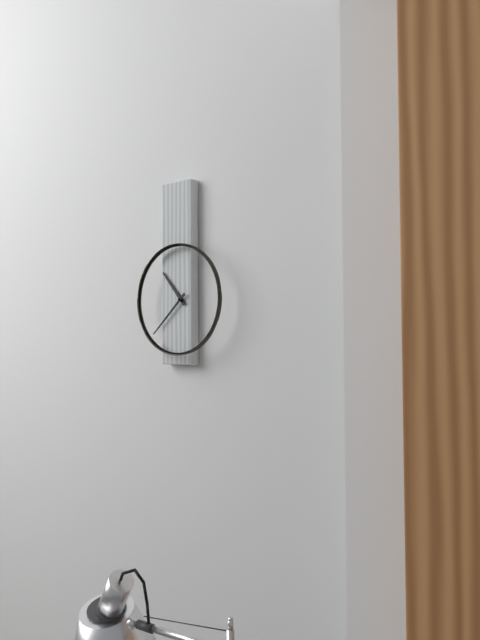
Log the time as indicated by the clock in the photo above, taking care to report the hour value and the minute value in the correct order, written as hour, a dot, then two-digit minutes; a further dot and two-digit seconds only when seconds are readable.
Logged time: 10.38
